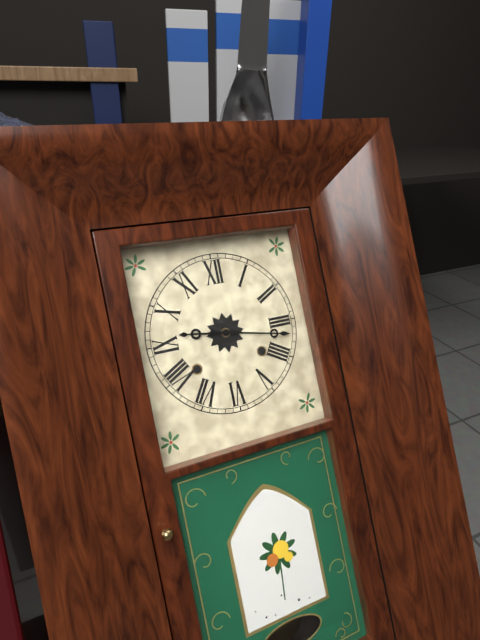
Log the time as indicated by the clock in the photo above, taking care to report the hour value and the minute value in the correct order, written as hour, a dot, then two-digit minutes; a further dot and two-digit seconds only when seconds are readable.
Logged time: 9.17
